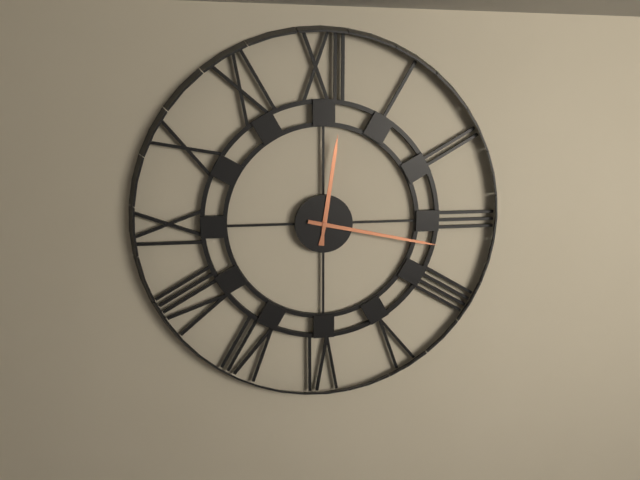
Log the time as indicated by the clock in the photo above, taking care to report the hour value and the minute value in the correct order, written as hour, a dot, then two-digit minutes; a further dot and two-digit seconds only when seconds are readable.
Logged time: 12.17
